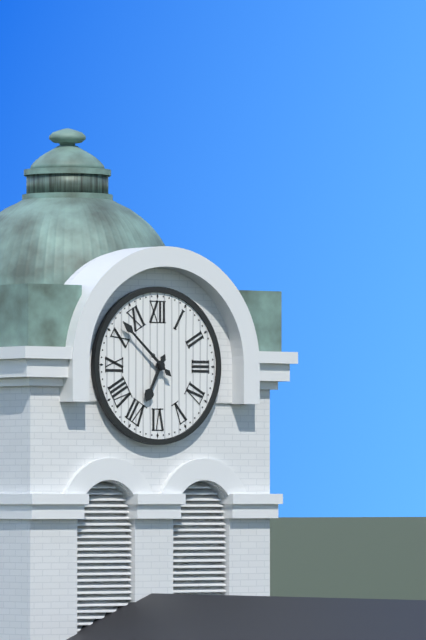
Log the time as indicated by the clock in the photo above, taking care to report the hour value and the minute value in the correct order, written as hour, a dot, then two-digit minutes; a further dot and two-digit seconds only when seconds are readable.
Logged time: 6.52
